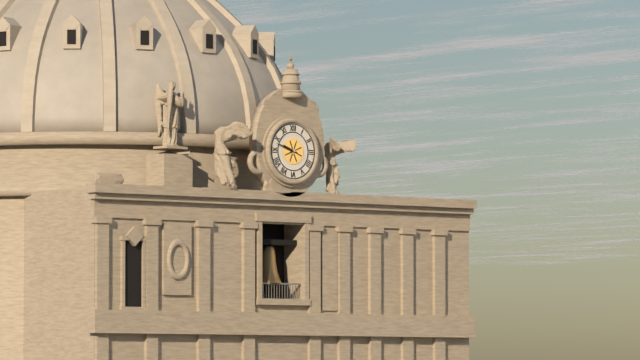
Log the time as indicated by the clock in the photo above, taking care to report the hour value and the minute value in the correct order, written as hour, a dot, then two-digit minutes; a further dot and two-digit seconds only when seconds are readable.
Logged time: 9.48
